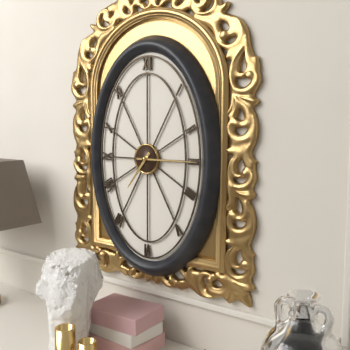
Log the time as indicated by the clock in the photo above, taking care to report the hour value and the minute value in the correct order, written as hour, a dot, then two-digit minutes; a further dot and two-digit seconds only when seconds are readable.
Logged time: 7.15
